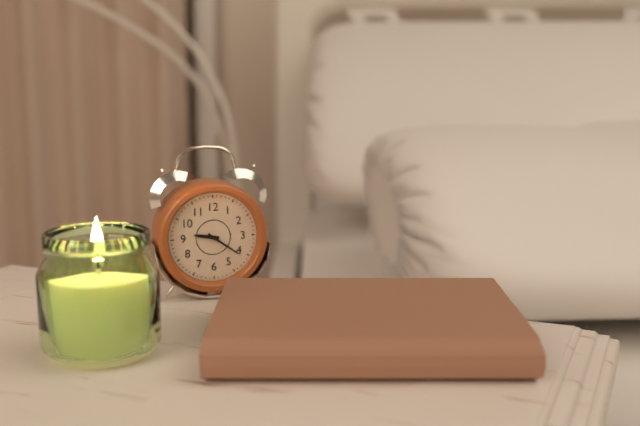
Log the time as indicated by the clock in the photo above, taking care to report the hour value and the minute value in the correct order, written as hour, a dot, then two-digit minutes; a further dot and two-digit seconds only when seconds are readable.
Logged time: 9.21
